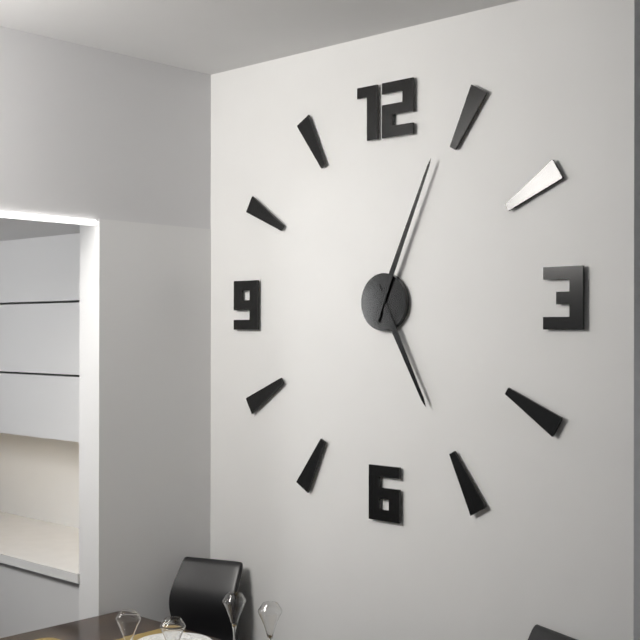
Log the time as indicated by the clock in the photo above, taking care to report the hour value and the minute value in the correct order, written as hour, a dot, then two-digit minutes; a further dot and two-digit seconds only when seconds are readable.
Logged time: 5.04
